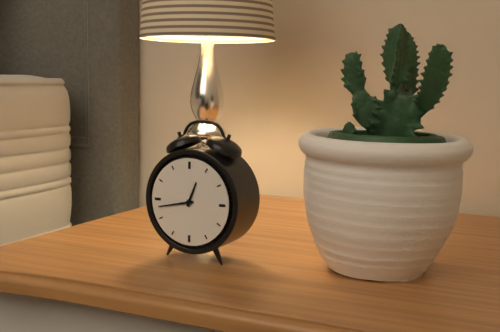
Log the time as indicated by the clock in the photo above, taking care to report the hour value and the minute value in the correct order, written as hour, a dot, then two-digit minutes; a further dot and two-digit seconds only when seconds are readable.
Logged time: 12.43
